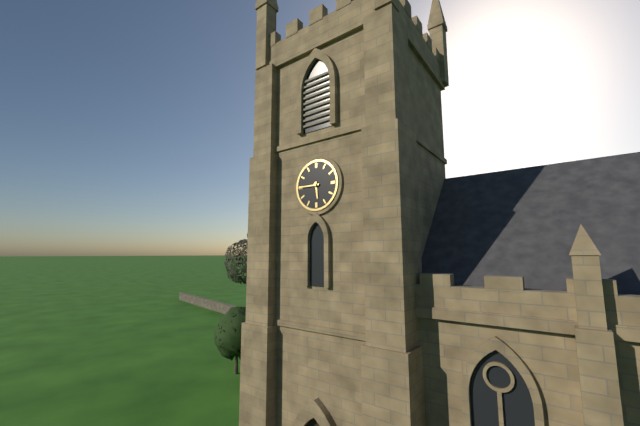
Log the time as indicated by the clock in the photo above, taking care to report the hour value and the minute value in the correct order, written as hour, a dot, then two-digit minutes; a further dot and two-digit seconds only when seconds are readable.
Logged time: 5.45
